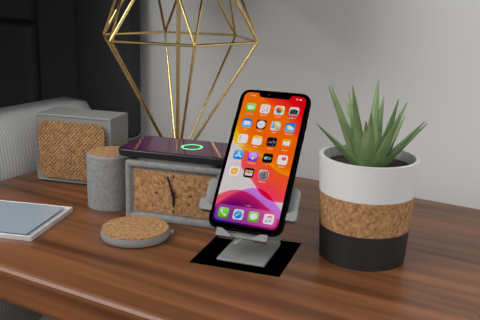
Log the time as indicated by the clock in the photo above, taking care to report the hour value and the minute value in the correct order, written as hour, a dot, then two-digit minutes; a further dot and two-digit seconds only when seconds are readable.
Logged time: 5.57
